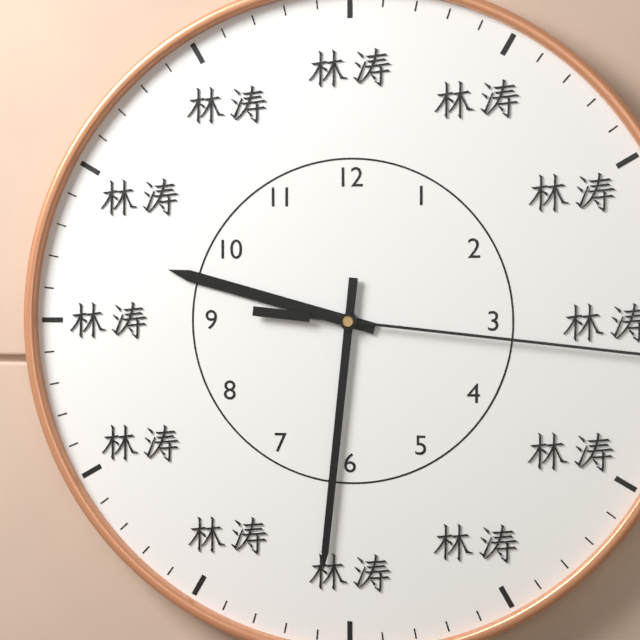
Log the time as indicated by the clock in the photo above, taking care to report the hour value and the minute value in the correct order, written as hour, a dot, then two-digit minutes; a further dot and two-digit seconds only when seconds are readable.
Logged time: 9.31
